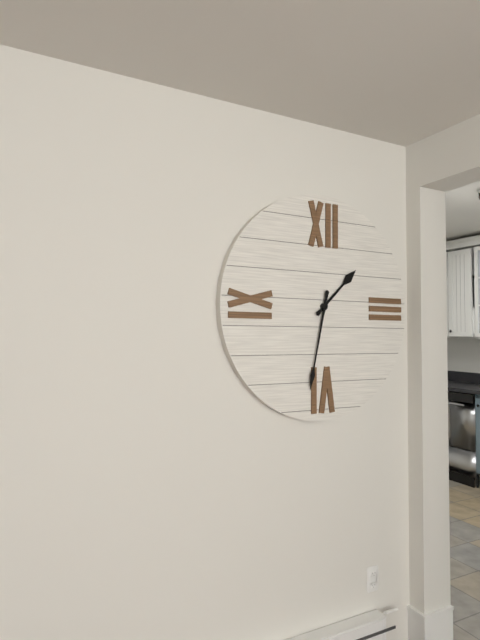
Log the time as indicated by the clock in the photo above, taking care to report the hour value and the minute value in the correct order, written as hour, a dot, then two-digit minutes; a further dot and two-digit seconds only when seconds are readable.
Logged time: 1.32
